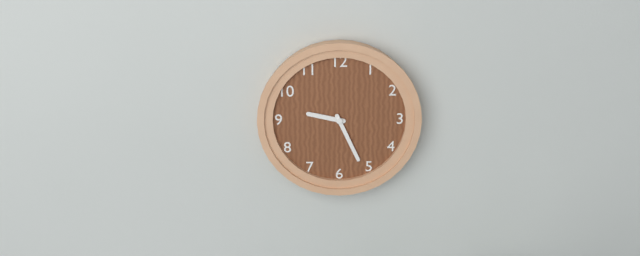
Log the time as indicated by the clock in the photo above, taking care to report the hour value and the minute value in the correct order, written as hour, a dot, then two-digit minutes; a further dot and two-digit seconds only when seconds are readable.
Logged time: 9.26
